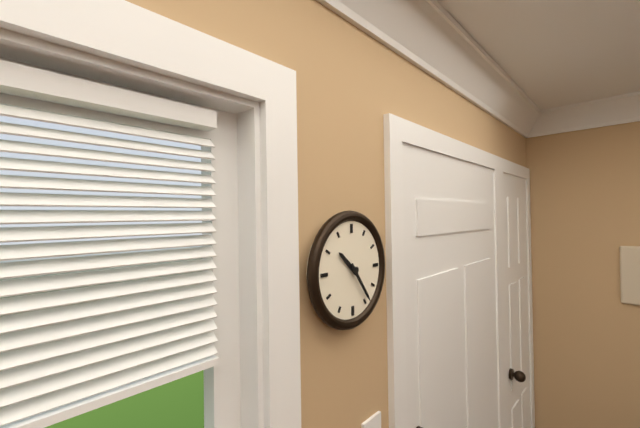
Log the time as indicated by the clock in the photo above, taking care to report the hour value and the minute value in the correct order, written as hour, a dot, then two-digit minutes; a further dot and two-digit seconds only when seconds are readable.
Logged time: 10.24
